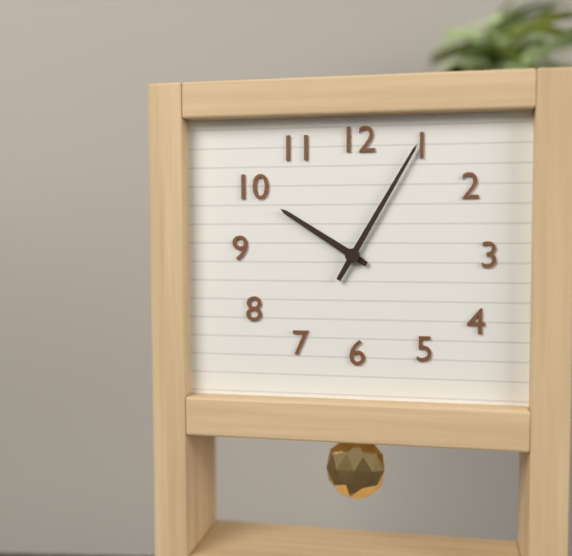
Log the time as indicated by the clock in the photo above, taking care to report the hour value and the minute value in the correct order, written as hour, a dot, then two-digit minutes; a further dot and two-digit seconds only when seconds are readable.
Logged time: 10.05
